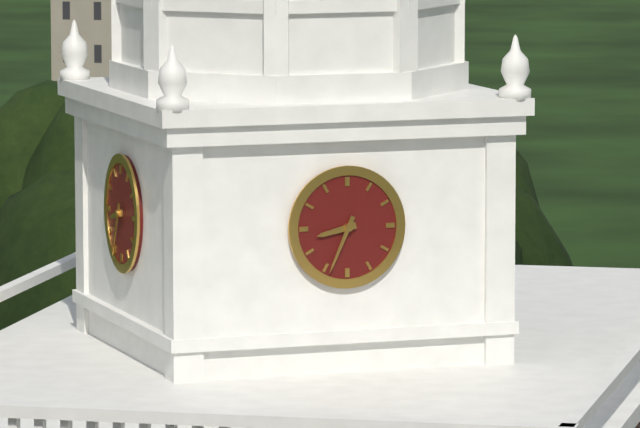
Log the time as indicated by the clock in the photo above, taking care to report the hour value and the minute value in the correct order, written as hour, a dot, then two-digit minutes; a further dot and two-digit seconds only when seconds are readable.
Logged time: 8.34
